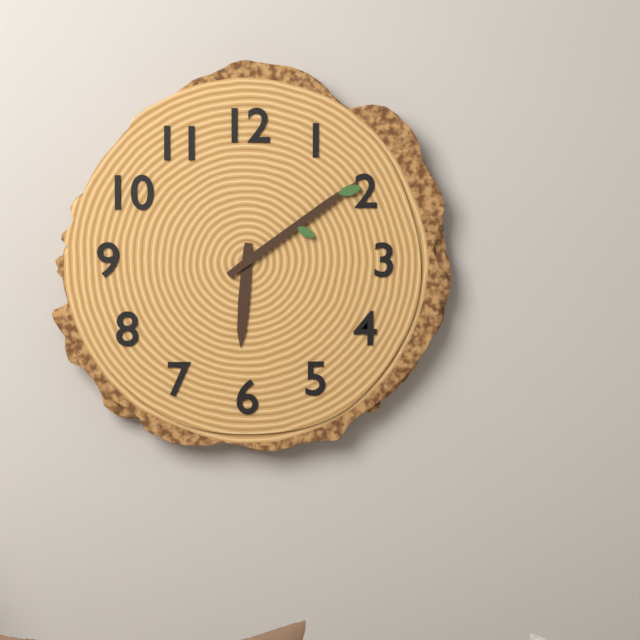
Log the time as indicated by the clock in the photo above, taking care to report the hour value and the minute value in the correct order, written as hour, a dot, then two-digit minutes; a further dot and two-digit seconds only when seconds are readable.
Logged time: 6.09
